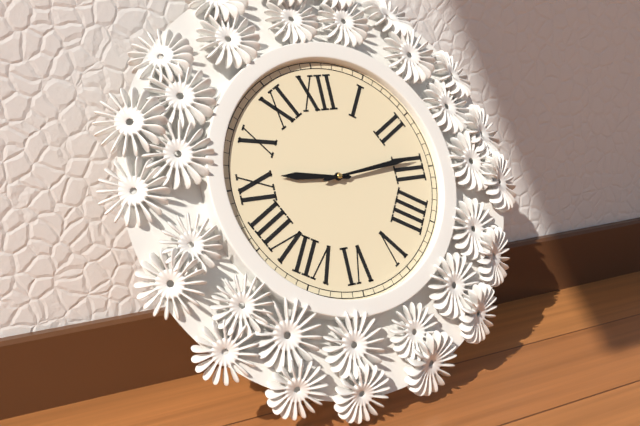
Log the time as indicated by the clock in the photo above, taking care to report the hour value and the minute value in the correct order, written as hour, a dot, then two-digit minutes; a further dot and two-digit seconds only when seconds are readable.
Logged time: 9.14
